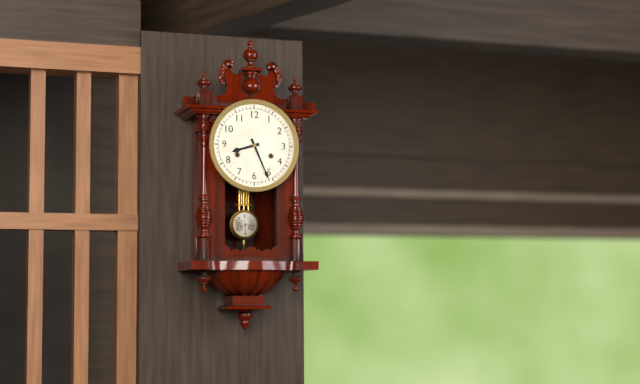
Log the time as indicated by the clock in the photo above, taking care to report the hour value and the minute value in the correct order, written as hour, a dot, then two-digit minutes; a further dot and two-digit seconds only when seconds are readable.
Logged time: 8.26
